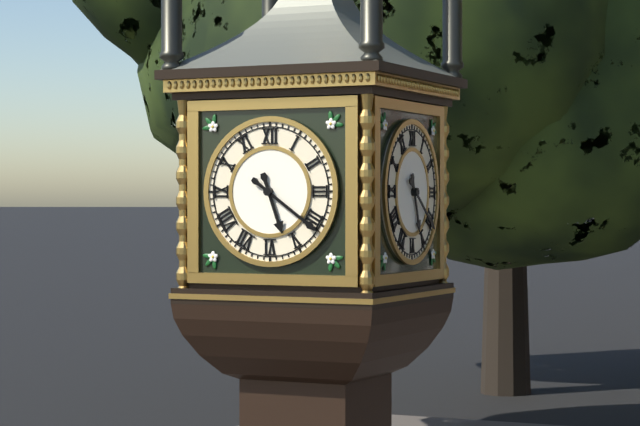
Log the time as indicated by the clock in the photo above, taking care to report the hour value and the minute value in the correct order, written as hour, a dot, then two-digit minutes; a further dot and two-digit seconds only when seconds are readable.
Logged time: 5.21
